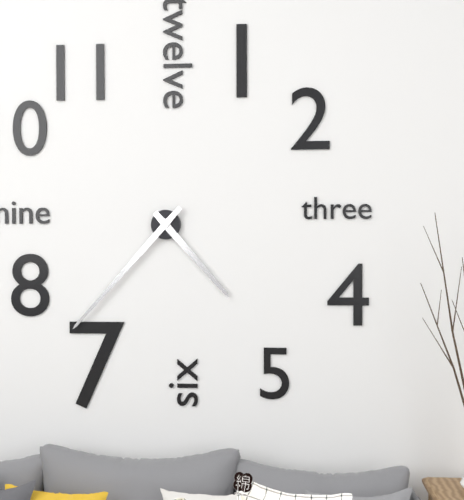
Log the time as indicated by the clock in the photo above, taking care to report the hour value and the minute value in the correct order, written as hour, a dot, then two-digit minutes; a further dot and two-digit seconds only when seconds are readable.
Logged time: 4.37
